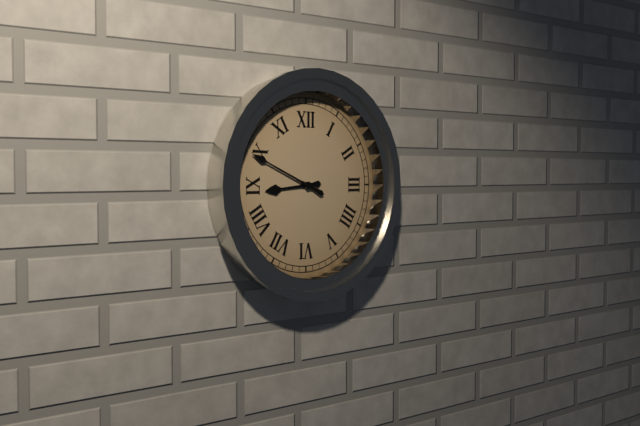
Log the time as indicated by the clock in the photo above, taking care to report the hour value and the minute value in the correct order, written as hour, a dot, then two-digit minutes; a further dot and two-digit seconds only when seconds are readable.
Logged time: 8.49
